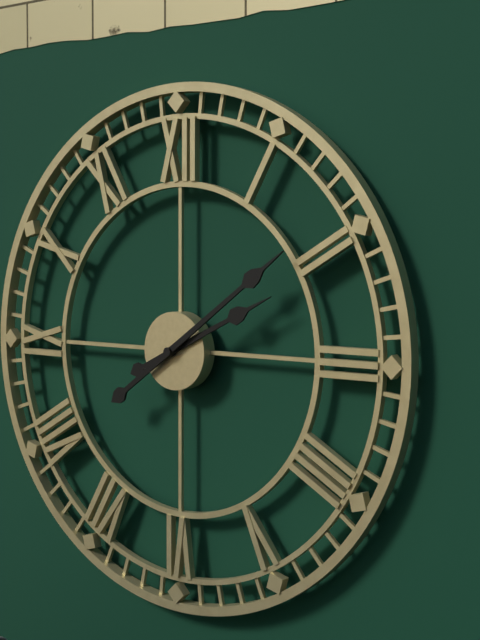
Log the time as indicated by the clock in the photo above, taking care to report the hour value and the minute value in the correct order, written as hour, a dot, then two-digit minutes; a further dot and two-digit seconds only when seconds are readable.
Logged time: 2.09
